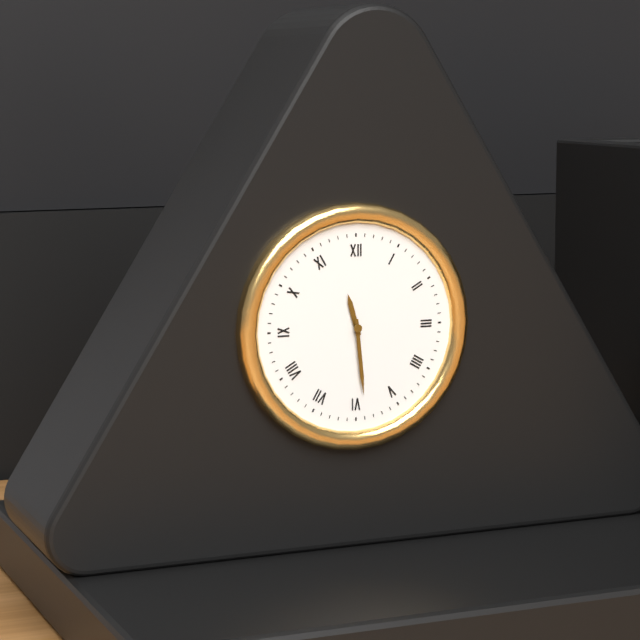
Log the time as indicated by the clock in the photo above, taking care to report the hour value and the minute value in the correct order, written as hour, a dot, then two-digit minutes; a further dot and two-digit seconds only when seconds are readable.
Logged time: 11.29
